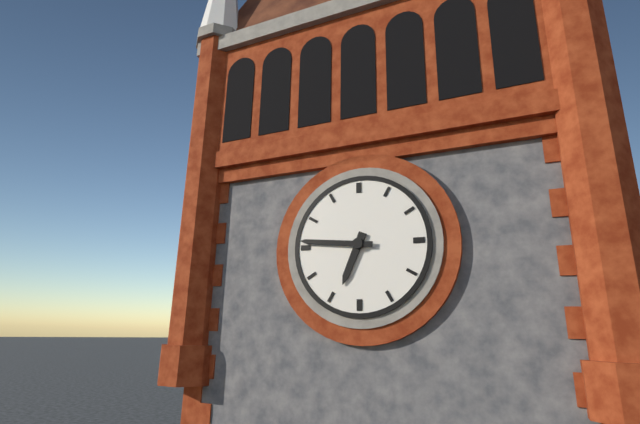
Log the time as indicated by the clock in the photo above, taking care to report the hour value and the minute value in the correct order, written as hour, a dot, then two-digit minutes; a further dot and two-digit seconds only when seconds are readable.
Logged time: 6.46
